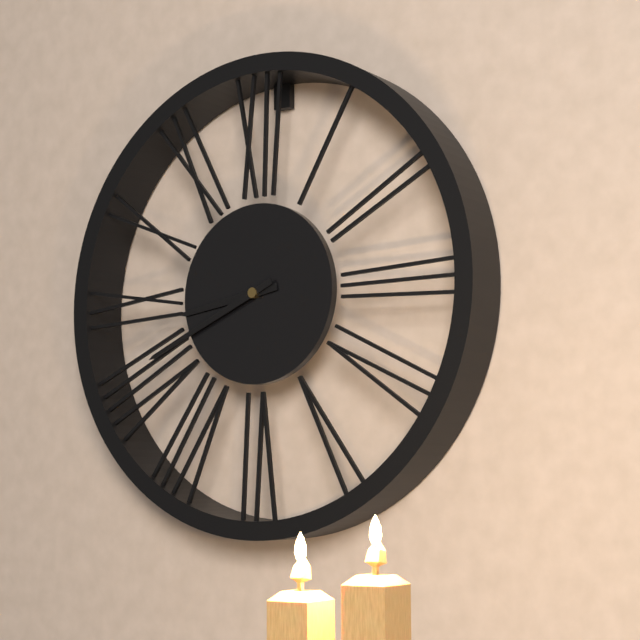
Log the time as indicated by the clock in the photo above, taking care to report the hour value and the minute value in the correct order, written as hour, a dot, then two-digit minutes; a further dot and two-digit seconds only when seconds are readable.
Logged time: 8.41
